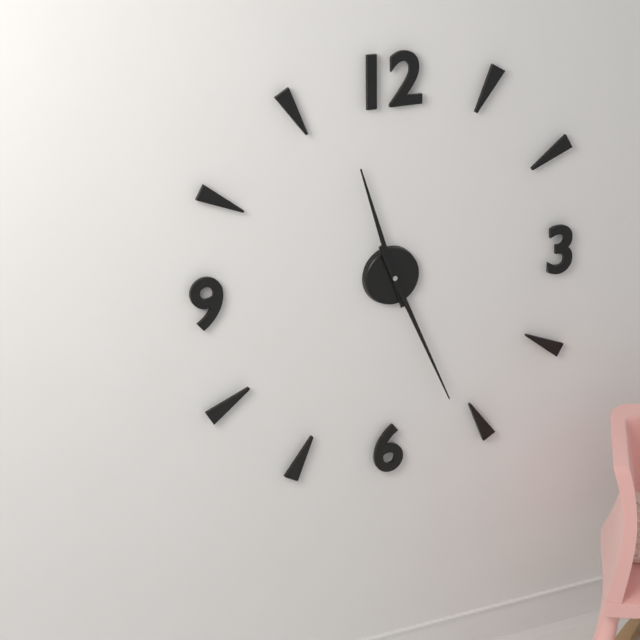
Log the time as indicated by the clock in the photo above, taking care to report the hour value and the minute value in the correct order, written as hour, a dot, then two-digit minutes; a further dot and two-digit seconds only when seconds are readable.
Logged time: 11.26
